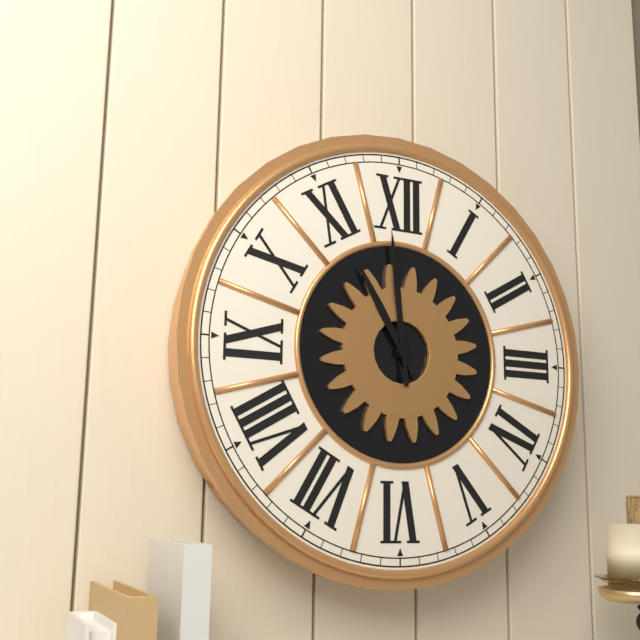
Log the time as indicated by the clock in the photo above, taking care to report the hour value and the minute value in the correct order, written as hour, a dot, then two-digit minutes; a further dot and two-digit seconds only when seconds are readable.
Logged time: 10.59
